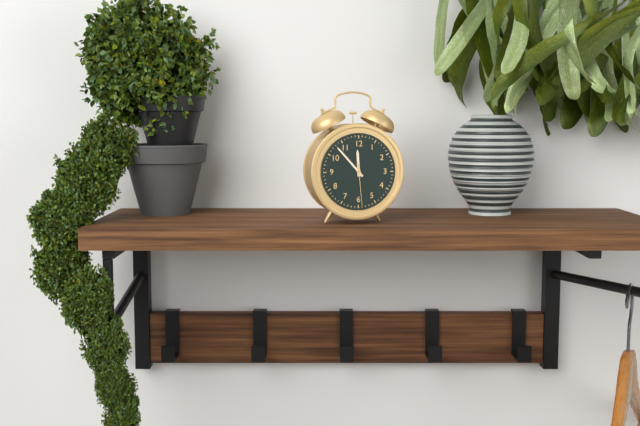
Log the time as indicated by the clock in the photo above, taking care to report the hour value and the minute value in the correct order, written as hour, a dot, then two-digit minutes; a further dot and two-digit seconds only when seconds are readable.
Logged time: 11.53
